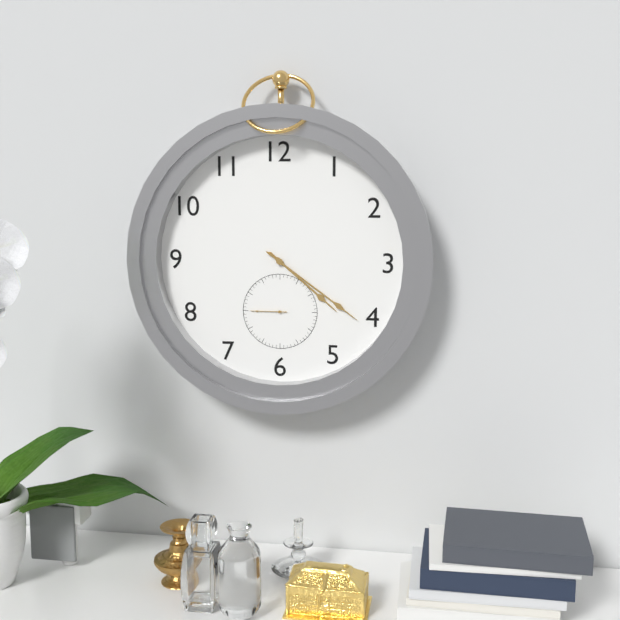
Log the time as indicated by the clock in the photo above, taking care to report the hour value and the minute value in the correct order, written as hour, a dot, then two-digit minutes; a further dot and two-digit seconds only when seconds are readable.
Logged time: 4.21
